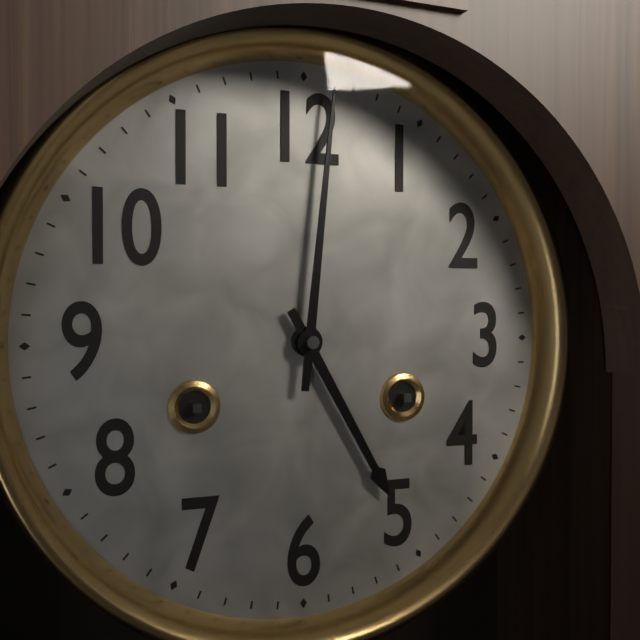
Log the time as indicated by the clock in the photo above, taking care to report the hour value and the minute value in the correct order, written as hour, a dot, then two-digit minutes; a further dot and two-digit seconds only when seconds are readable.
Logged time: 5.01
